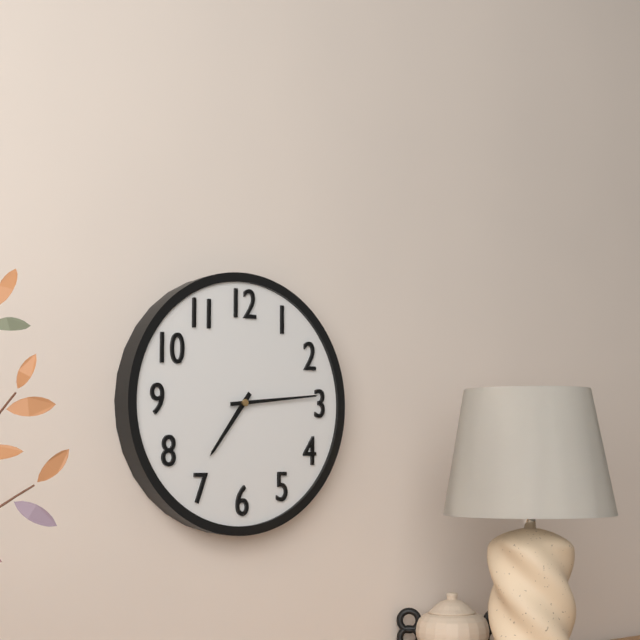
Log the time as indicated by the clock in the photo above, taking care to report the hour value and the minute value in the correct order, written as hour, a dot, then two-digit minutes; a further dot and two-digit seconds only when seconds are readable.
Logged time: 7.14
